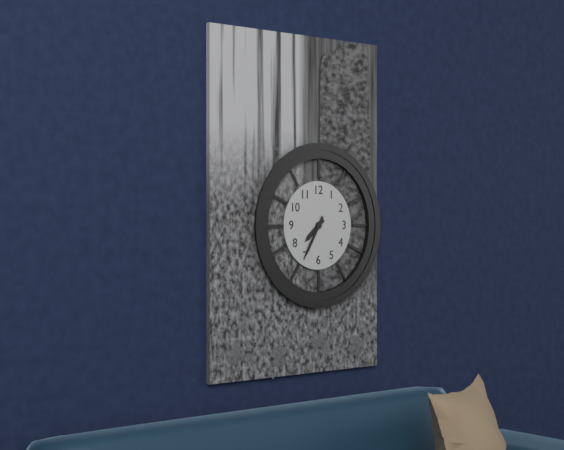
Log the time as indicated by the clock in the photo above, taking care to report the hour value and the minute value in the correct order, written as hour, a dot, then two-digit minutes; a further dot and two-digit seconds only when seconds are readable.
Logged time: 7.35
